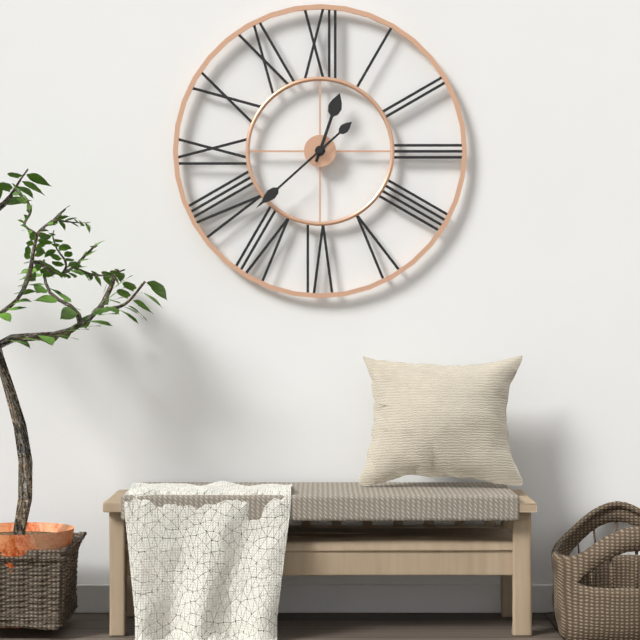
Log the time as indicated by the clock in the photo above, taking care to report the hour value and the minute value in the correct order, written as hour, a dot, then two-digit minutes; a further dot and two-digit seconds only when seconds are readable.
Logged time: 12.38
